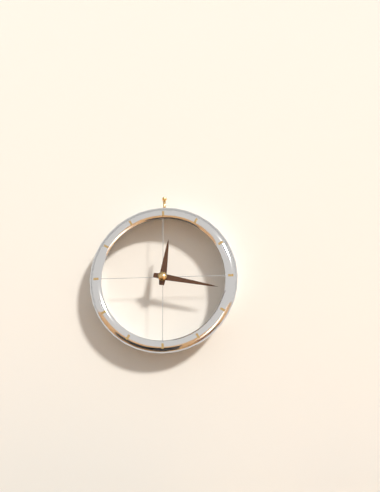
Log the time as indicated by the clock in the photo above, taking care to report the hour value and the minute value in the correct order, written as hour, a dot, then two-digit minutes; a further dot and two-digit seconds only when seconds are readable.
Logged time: 12.17
